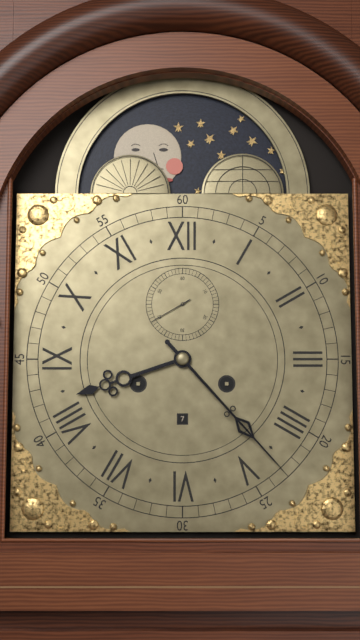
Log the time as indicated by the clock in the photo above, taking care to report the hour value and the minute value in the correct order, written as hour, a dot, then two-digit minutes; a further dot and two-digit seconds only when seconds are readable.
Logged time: 8.23
